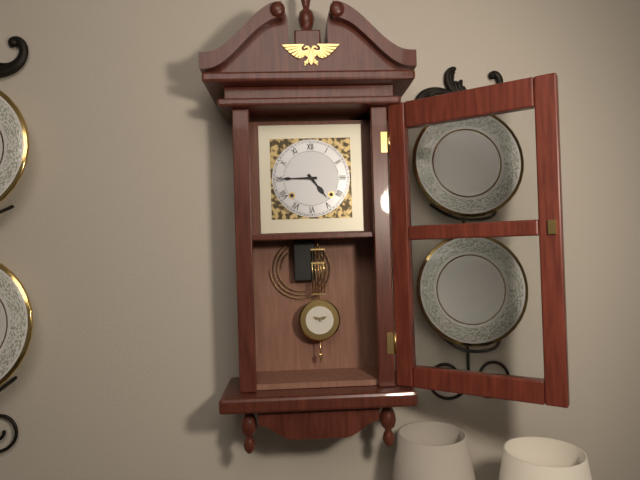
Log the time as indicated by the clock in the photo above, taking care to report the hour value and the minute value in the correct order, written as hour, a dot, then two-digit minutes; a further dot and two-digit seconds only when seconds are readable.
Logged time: 4.45
